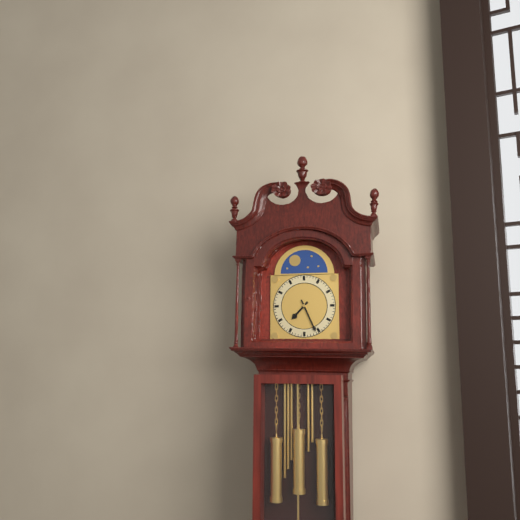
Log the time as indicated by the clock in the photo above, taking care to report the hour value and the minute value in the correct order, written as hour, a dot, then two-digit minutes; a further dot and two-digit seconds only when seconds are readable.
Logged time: 7.26
